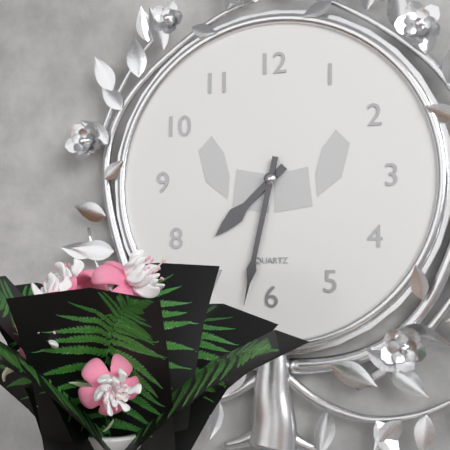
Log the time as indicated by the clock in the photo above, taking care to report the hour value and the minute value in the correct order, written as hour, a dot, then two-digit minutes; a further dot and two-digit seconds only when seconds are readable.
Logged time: 7.32
